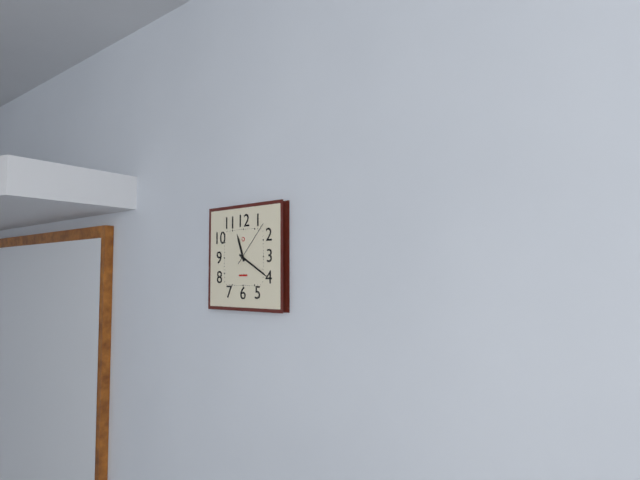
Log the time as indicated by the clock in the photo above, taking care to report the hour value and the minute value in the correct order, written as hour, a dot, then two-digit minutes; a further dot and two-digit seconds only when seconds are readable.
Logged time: 11.20
